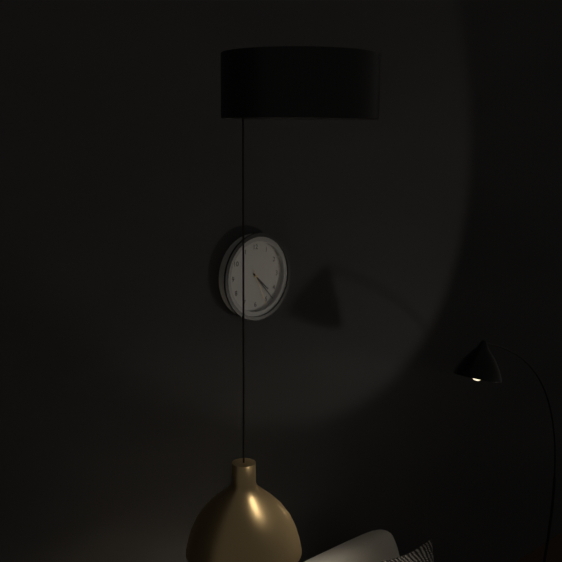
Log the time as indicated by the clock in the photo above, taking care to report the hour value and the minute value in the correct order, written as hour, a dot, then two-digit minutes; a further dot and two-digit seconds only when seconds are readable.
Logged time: 4.23
